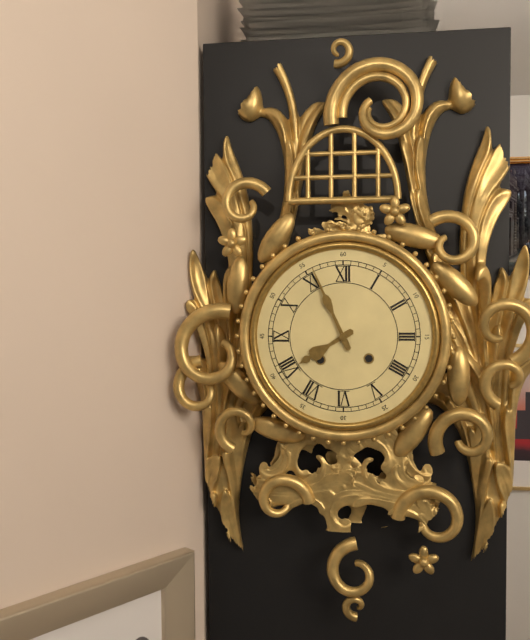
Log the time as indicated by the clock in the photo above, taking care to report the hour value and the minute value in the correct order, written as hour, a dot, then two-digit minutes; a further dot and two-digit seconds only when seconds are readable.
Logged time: 7.56
